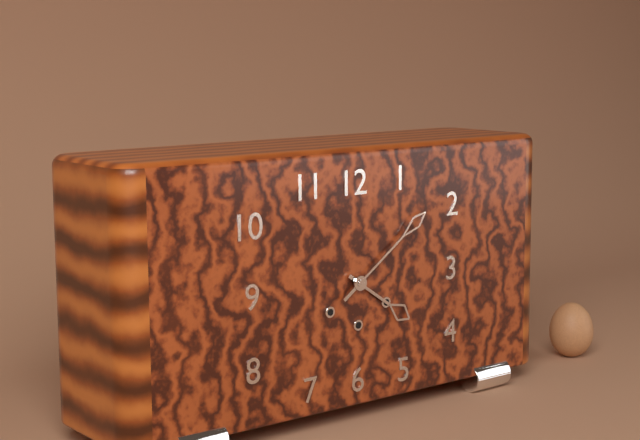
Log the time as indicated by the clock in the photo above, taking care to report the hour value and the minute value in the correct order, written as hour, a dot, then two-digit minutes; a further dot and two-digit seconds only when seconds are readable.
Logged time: 4.09
